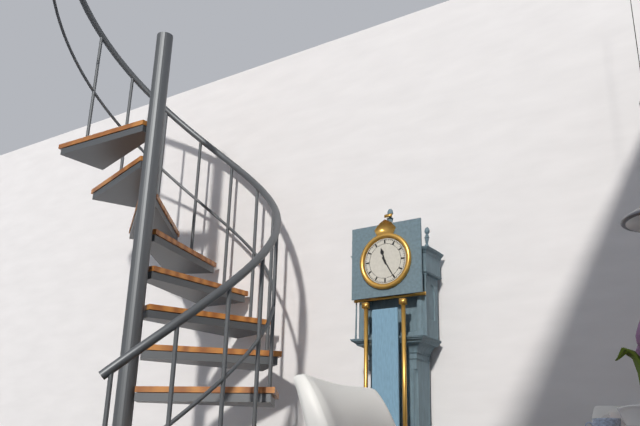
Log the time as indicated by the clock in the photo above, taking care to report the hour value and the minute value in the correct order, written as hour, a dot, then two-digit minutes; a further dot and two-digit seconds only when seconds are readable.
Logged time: 11.25
